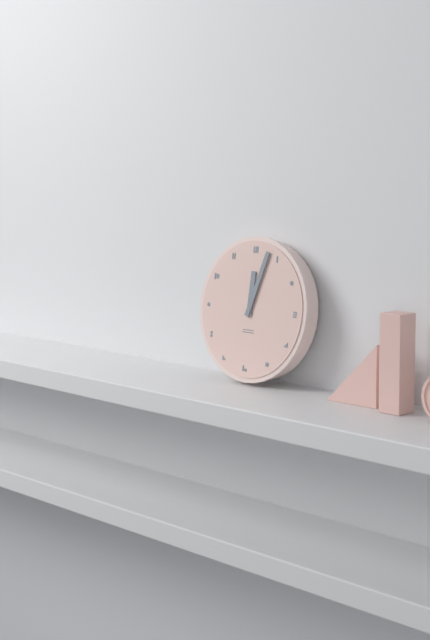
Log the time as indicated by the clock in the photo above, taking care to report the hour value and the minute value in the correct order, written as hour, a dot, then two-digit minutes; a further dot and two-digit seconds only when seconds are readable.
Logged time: 12.03
